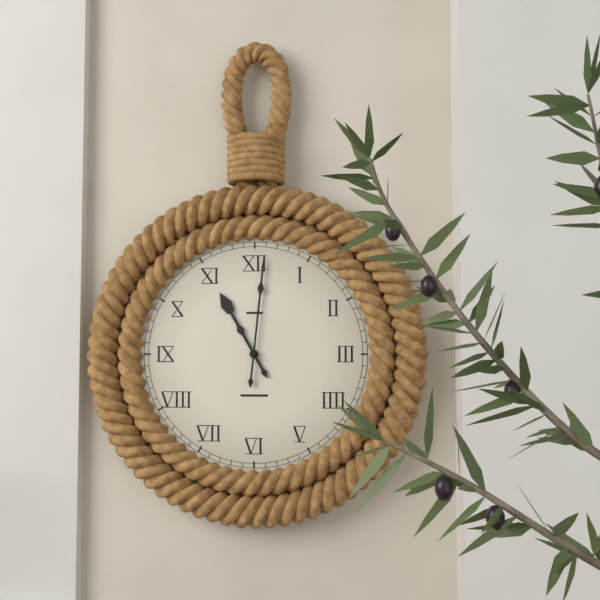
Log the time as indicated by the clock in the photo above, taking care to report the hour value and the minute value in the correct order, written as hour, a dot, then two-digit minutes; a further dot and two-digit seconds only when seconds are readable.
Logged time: 11.01
